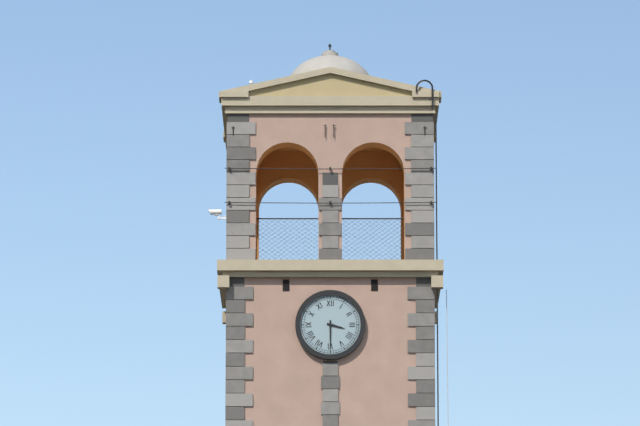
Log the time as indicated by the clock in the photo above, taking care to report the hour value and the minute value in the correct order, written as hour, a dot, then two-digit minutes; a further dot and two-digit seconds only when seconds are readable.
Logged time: 3.30
